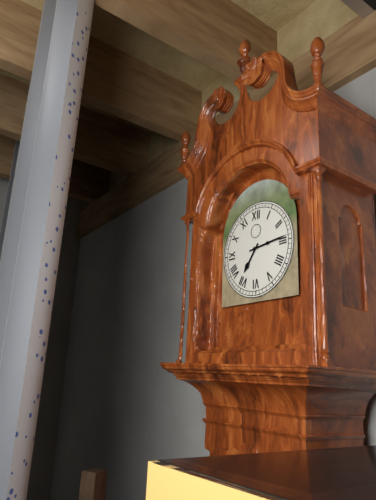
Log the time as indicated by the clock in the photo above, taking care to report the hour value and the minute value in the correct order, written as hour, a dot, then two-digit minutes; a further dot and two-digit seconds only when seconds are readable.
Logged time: 7.14
